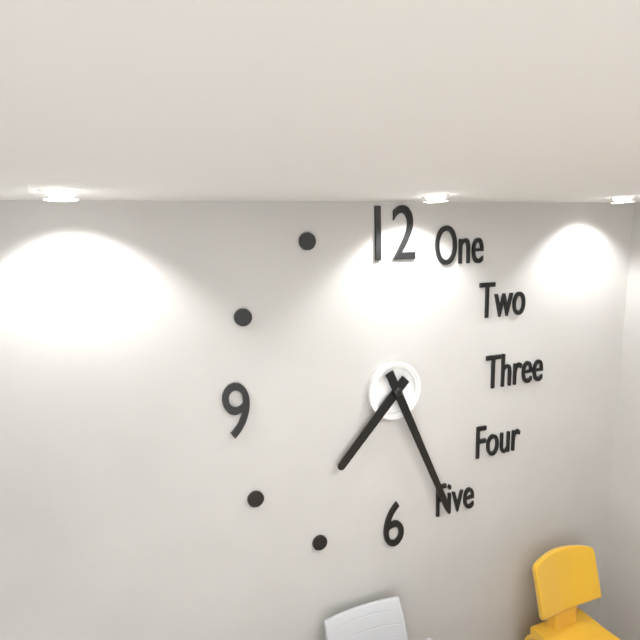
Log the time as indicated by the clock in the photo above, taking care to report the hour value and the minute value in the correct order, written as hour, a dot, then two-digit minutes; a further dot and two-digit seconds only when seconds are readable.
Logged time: 7.26
